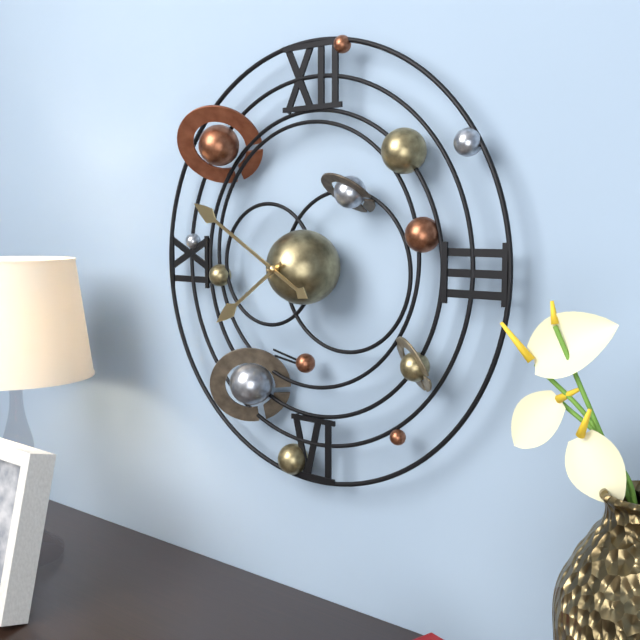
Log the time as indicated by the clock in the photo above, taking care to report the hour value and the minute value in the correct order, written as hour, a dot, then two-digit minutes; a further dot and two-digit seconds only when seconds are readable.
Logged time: 7.50
